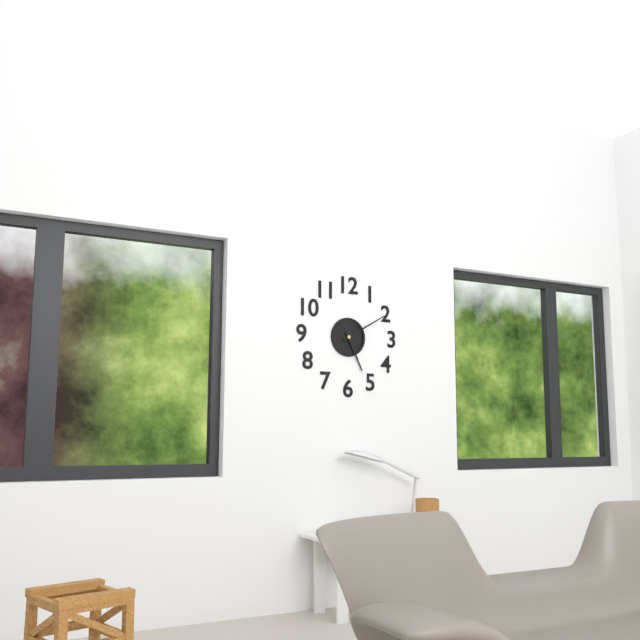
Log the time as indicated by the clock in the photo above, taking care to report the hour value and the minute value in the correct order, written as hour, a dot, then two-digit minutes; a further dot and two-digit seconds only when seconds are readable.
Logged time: 5.10
